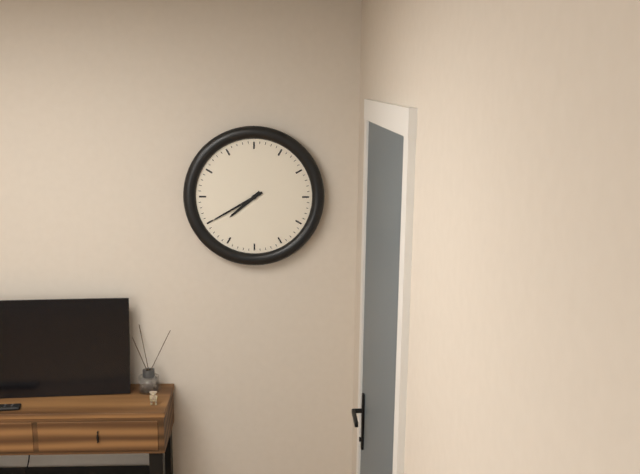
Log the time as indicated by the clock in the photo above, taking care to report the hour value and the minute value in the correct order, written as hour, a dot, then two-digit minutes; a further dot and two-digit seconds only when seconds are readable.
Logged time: 7.40
